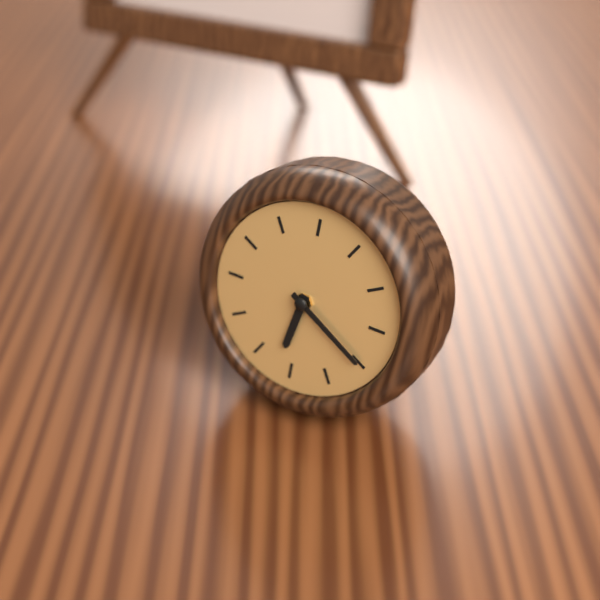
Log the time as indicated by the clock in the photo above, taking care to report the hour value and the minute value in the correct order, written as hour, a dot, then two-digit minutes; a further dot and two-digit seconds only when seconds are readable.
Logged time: 6.20
